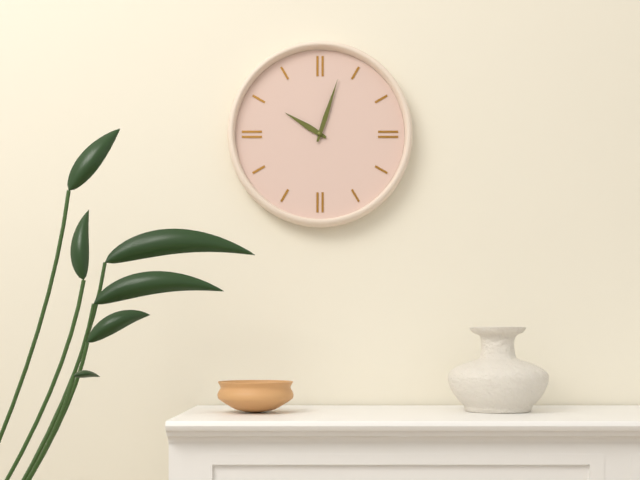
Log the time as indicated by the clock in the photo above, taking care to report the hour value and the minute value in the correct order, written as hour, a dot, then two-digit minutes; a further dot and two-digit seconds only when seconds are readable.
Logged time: 10.03
